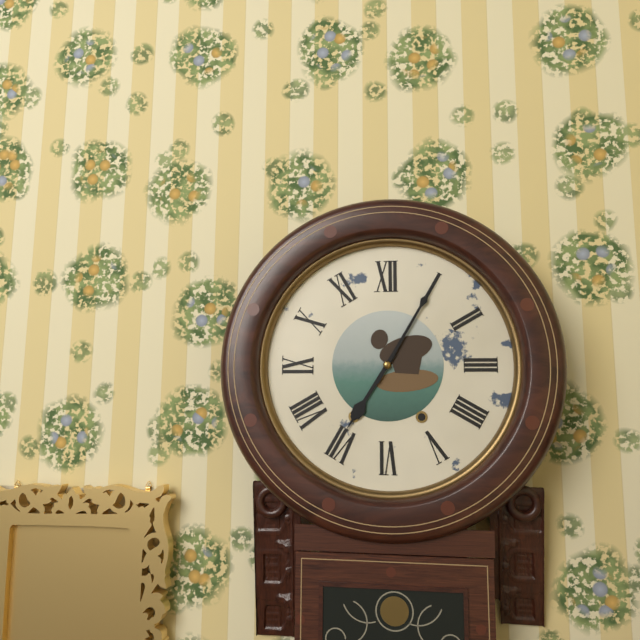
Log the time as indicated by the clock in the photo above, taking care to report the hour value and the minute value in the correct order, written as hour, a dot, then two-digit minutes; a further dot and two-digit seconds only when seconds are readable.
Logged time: 7.05
